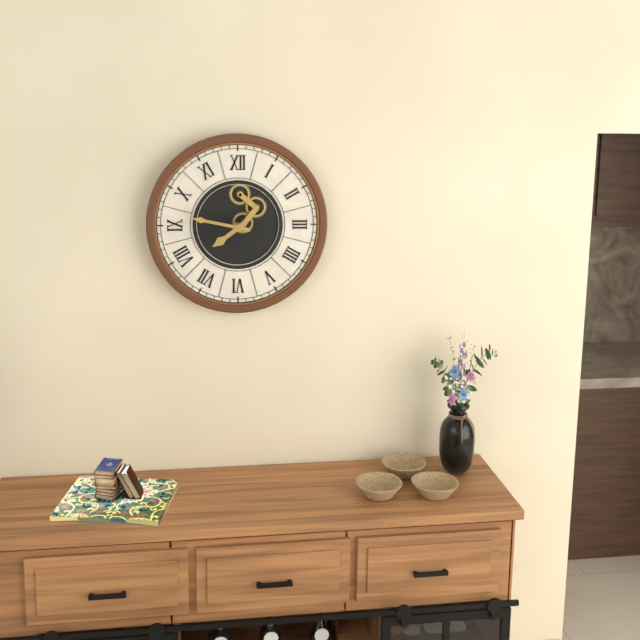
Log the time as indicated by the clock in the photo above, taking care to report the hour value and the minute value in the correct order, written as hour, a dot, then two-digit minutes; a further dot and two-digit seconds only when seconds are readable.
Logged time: 7.47
